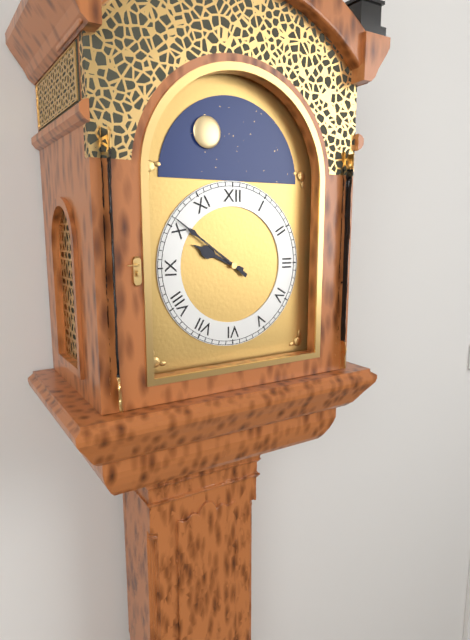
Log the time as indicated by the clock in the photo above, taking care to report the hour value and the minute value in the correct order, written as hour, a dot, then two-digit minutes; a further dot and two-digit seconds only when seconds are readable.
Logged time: 9.51
